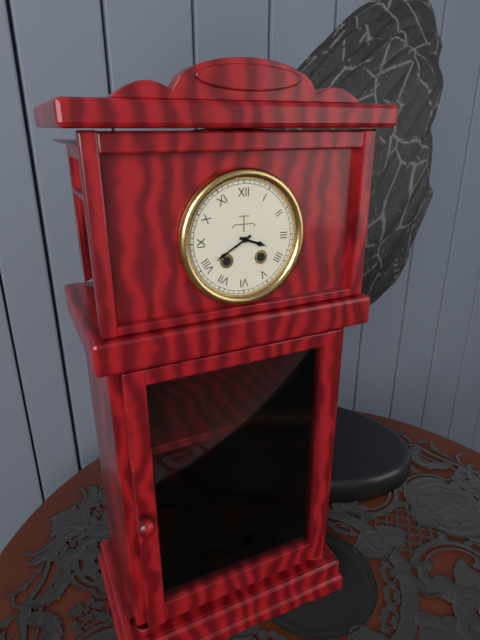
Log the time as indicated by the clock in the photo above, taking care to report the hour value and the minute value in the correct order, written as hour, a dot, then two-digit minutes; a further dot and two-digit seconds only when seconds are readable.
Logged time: 3.40
